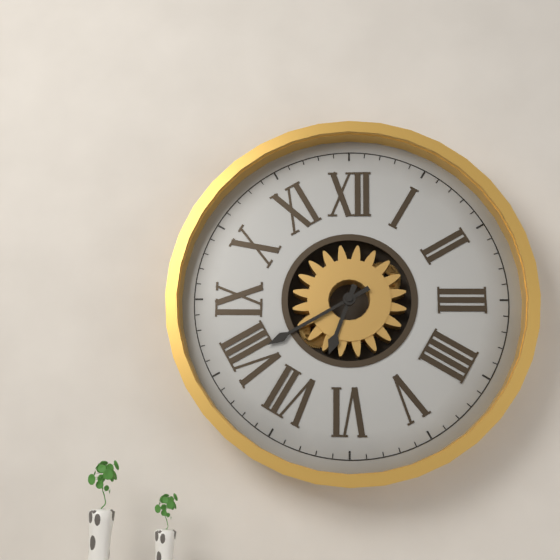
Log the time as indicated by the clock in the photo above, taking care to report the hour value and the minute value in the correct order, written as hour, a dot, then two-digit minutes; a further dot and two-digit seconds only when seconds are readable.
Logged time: 6.40
